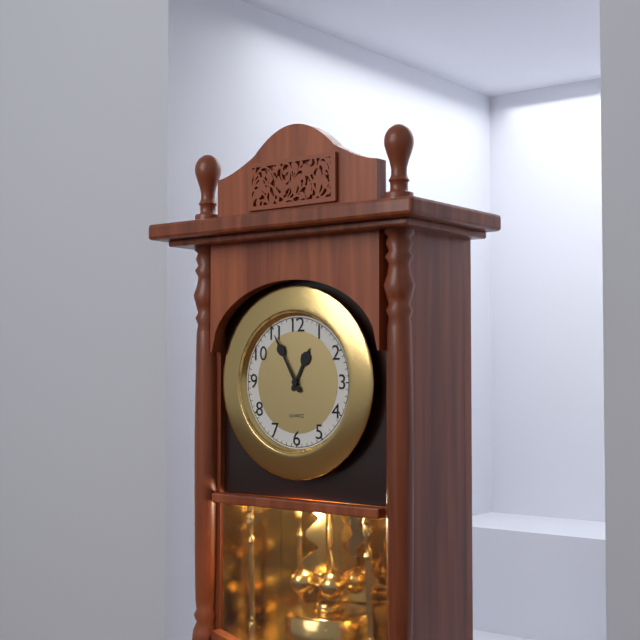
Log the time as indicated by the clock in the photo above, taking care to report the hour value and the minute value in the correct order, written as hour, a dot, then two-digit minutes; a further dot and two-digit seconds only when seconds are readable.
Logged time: 12.55
